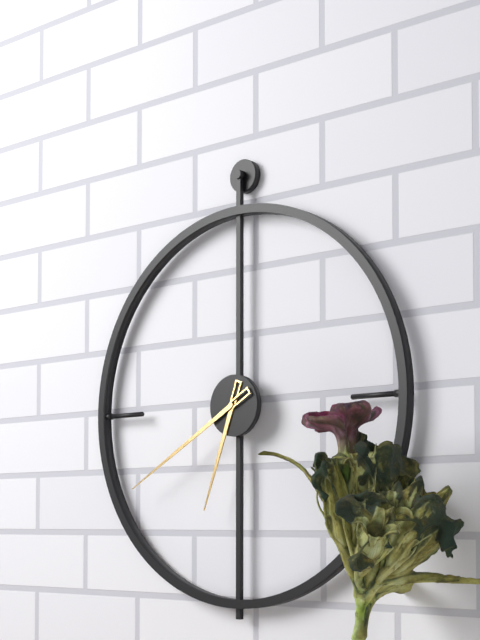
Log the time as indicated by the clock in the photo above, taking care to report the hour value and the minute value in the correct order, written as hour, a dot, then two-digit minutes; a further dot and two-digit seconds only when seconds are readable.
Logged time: 6.40
